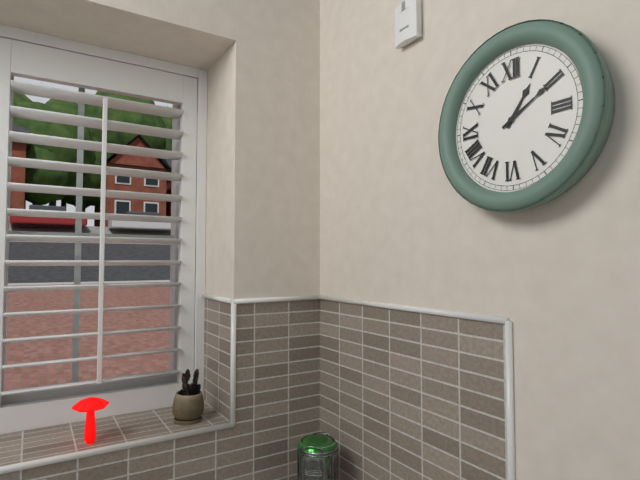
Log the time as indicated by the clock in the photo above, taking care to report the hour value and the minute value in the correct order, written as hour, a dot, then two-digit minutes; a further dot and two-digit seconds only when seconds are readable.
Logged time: 1.10
